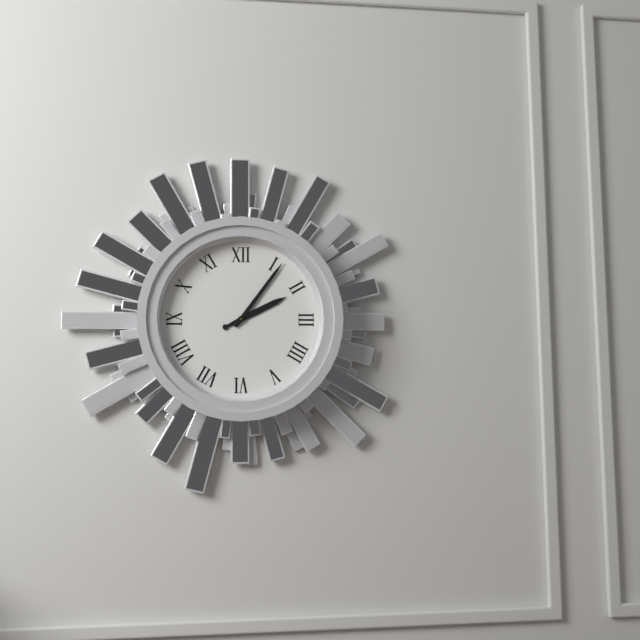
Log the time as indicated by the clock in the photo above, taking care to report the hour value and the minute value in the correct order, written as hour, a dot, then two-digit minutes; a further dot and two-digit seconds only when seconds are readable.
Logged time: 2.06
